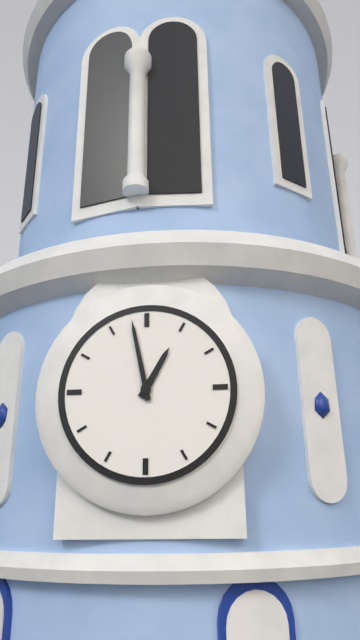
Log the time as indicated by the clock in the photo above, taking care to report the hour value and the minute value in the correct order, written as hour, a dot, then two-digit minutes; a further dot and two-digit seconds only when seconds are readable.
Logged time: 12.58
